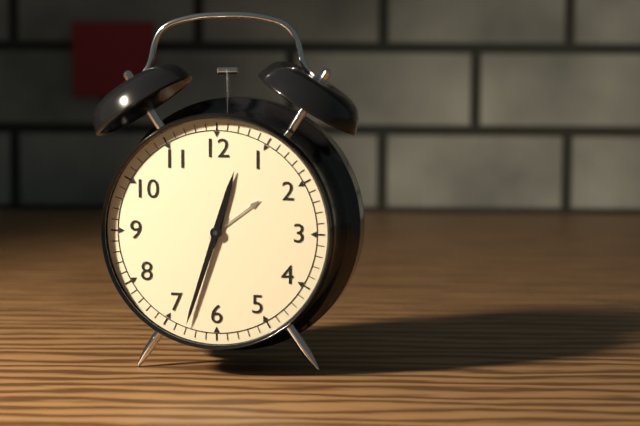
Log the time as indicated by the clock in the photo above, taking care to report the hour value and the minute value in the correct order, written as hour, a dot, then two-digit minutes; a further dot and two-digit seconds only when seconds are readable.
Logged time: 12.33
